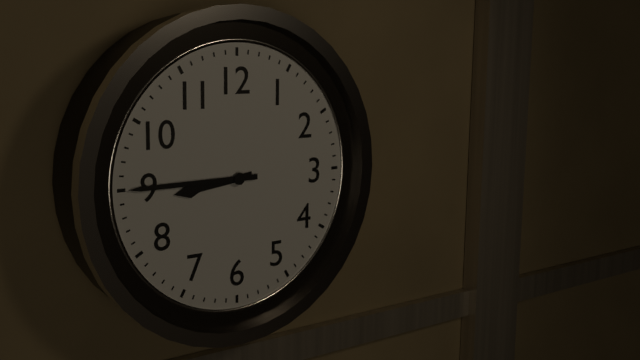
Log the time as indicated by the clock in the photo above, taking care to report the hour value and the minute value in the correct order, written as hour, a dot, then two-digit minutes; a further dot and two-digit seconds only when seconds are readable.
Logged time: 8.45
